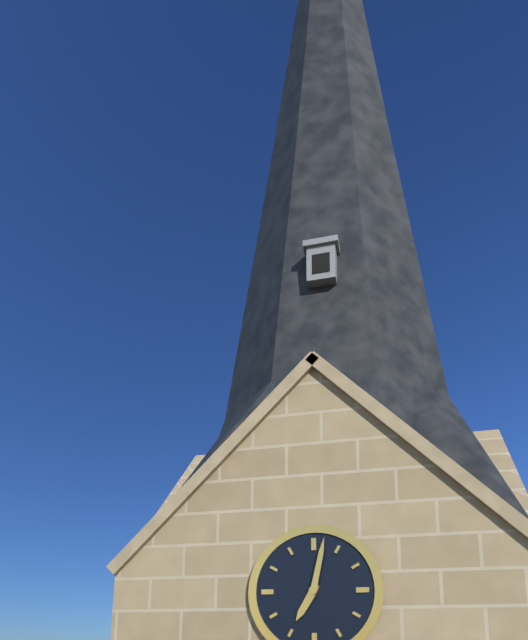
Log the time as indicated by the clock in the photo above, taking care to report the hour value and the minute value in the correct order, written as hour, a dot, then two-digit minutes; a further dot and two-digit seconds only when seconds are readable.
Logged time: 7.02
